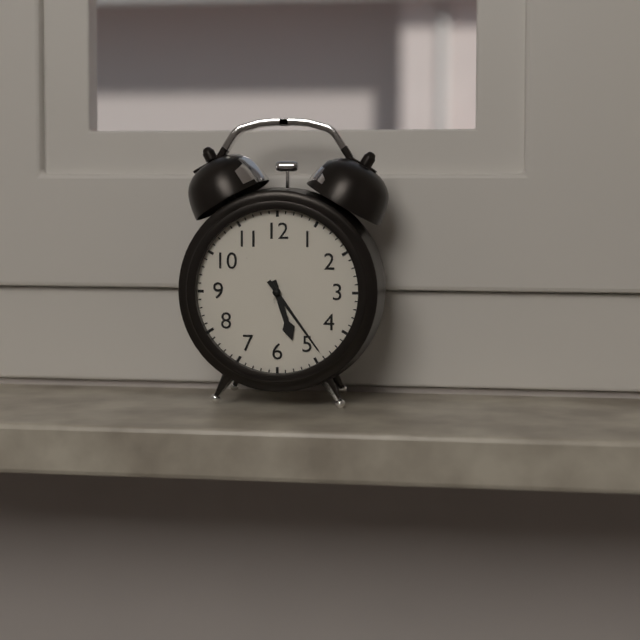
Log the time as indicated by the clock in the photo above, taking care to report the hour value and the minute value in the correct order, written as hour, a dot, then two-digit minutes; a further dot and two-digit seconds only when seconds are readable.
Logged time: 5.24
